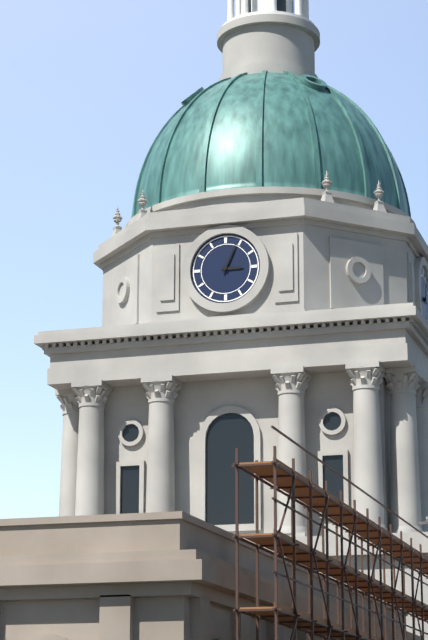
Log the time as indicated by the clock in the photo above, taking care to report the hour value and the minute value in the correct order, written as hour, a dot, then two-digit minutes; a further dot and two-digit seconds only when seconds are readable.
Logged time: 3.04
